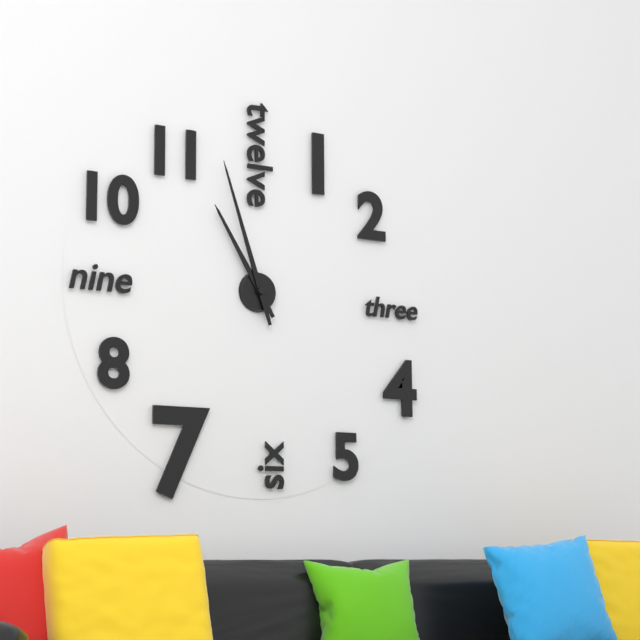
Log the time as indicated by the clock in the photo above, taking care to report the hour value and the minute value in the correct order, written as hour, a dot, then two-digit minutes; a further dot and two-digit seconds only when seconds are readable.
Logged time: 10.57
